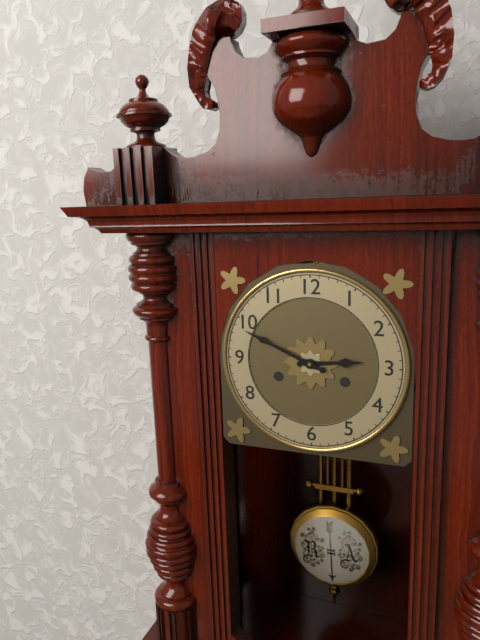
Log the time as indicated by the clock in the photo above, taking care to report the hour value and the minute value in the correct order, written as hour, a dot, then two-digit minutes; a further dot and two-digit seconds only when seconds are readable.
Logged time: 2.49
